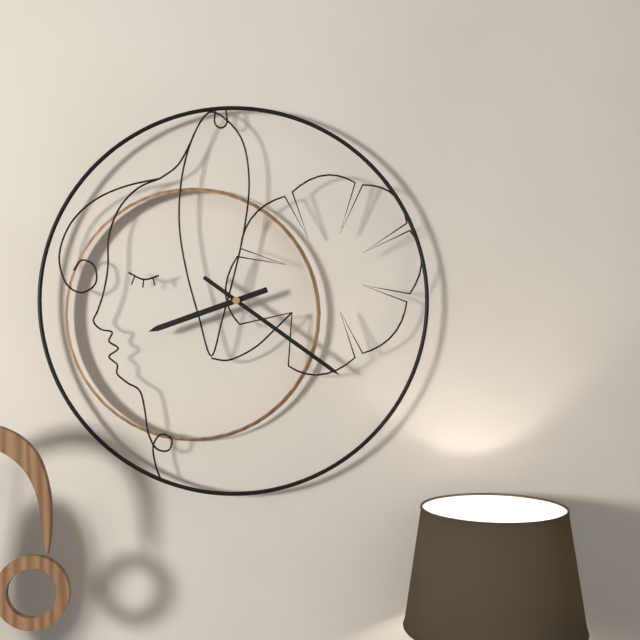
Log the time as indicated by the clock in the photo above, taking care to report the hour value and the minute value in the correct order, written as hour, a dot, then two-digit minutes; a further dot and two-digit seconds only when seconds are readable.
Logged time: 8.21
